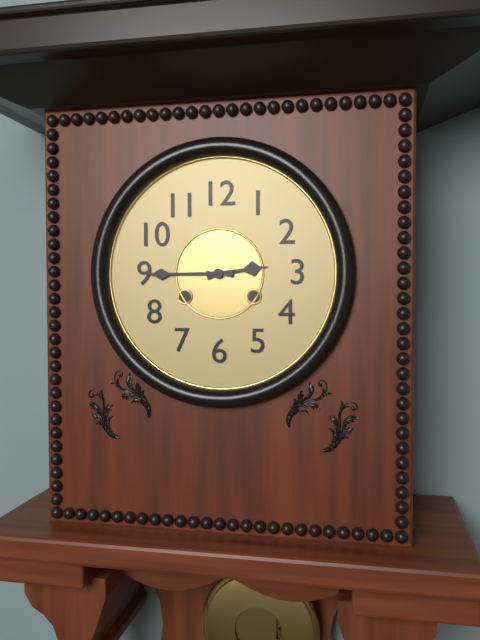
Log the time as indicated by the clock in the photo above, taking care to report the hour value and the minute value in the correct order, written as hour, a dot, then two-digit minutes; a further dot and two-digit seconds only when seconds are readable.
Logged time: 2.45
